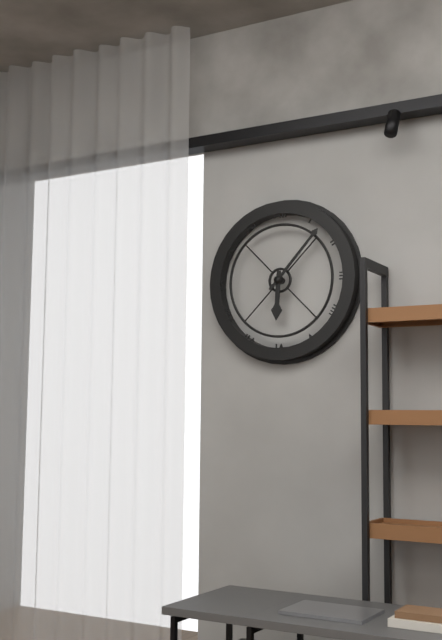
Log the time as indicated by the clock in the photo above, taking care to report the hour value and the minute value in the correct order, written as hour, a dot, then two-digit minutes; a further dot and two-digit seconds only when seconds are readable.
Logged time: 6.07
